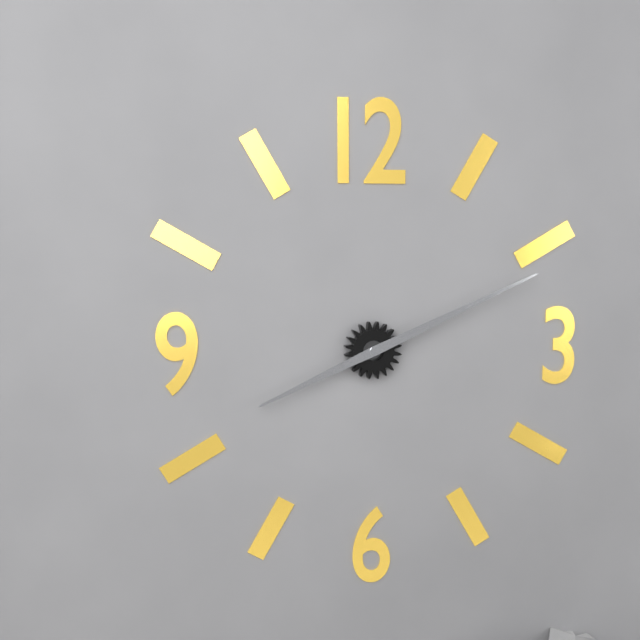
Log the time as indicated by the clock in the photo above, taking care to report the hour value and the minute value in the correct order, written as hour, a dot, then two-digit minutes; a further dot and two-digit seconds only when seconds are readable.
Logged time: 8.11
